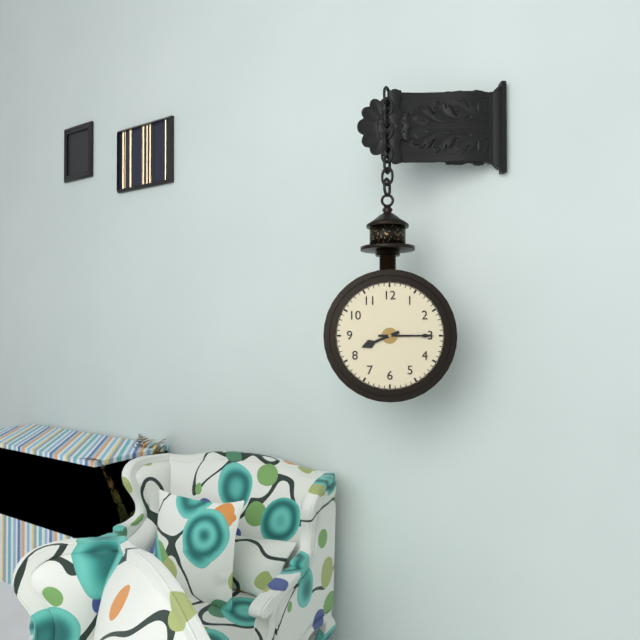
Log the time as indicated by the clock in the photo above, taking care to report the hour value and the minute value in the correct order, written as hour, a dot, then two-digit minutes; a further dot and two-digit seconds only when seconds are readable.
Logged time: 8.15
